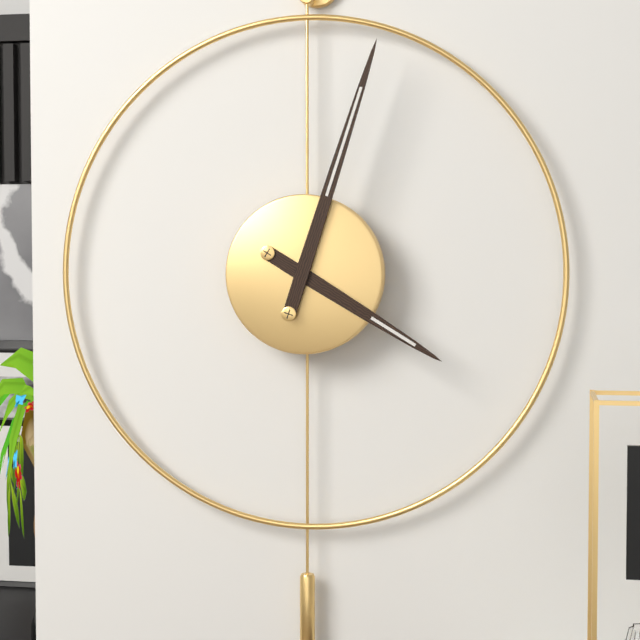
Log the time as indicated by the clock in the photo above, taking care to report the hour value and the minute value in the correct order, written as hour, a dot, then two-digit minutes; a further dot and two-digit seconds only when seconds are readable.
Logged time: 4.03
